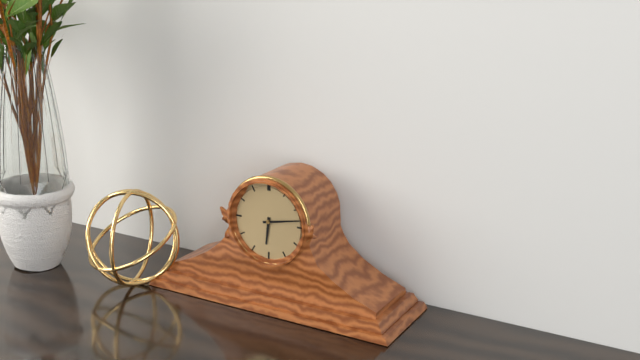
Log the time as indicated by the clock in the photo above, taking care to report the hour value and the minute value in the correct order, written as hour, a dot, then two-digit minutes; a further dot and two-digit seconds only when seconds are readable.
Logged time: 6.13
